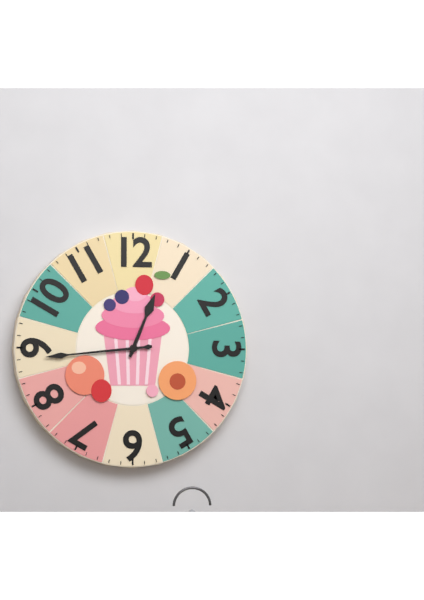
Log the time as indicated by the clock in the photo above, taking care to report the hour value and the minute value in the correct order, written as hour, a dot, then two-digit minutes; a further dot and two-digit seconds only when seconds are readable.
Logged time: 12.44
